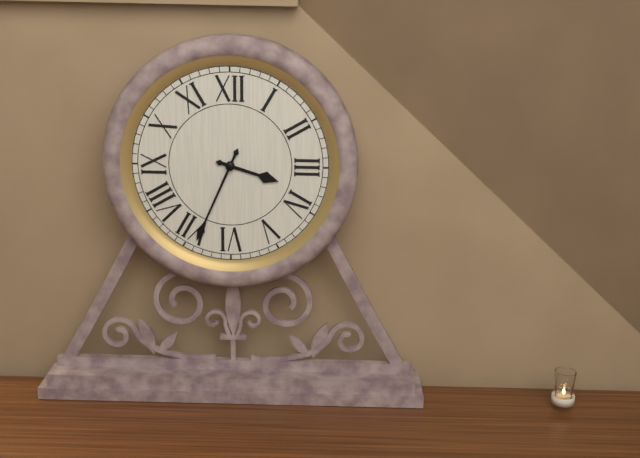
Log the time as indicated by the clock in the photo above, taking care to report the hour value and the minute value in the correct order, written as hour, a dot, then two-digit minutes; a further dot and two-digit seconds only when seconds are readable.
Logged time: 3.34
